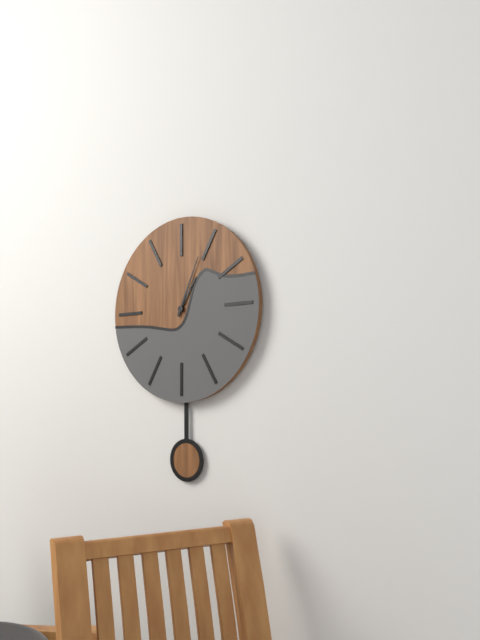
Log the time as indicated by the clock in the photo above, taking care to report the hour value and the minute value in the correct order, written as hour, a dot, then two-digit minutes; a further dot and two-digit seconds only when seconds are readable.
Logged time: 1.04
